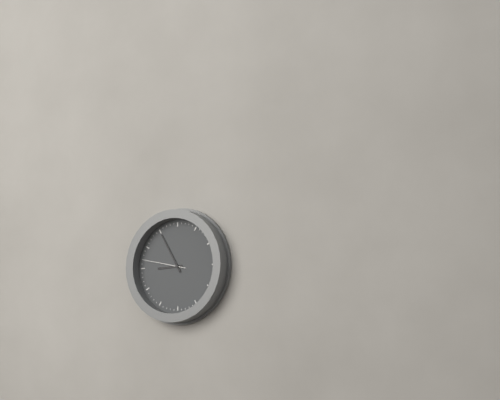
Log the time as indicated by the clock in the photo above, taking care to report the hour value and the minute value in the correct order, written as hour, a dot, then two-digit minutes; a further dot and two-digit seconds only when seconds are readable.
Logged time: 8.55
